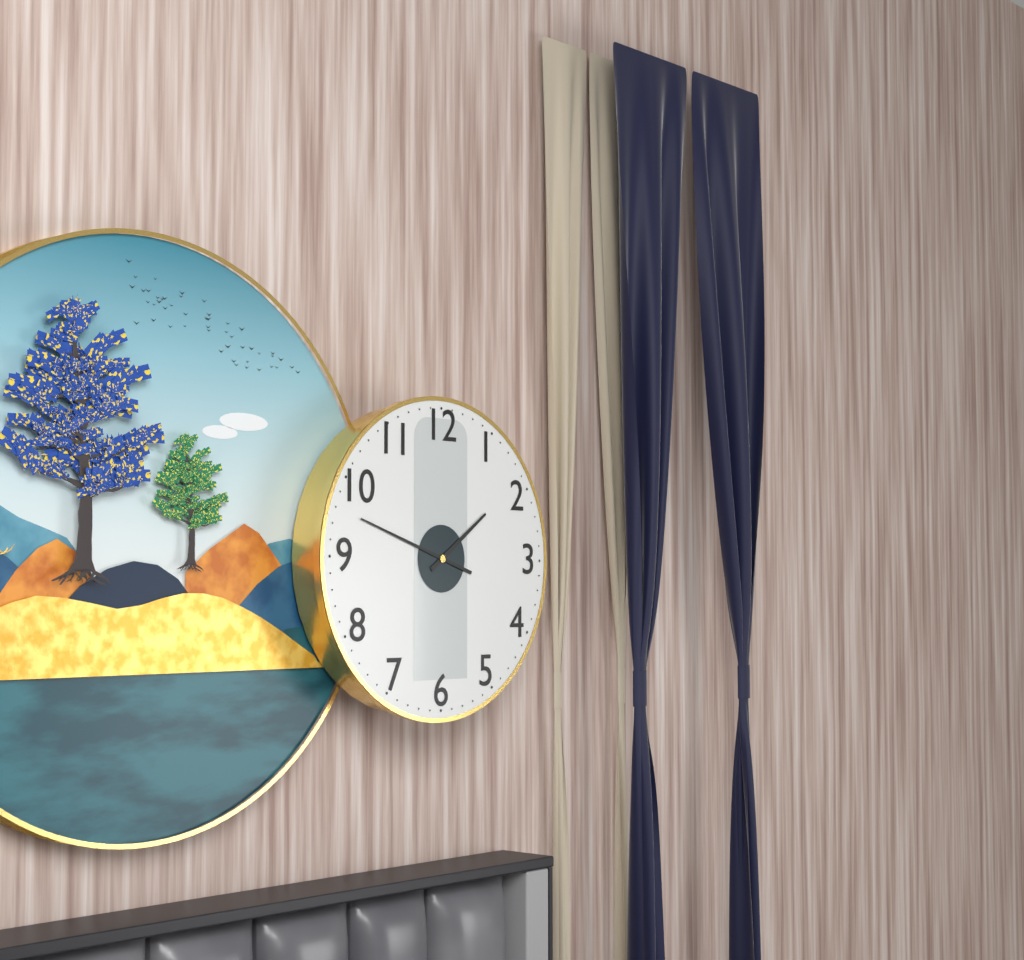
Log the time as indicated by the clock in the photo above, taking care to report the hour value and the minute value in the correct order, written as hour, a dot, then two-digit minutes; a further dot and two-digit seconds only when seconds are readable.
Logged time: 1.48
